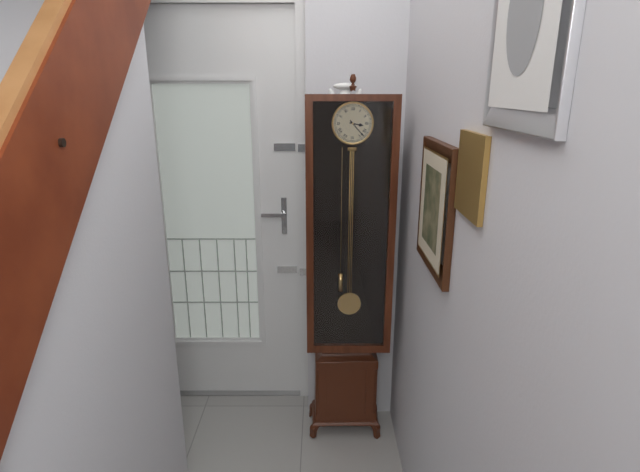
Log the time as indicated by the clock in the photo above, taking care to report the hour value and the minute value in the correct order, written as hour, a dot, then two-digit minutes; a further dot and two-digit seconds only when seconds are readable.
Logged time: 3.23
